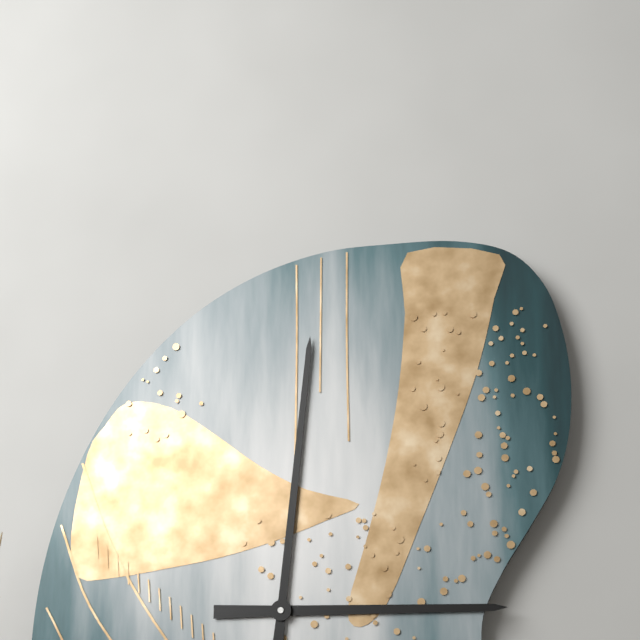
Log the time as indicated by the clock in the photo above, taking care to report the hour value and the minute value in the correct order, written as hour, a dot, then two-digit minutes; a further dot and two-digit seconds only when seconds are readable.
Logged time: 3.01
